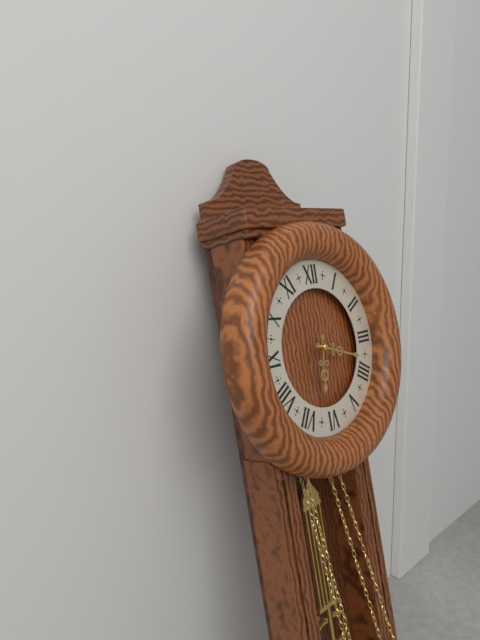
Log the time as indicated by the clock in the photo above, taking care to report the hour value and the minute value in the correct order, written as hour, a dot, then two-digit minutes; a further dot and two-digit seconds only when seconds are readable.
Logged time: 6.18
